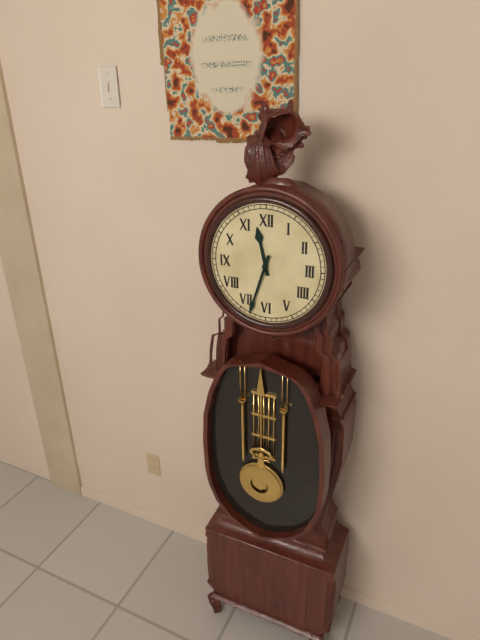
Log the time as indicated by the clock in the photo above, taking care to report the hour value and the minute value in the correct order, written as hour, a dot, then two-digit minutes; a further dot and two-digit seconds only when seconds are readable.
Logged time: 11.33
